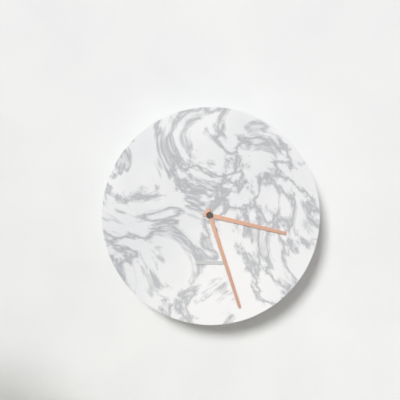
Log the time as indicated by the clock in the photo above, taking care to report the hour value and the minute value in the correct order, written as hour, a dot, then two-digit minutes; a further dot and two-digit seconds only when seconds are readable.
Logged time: 3.27
